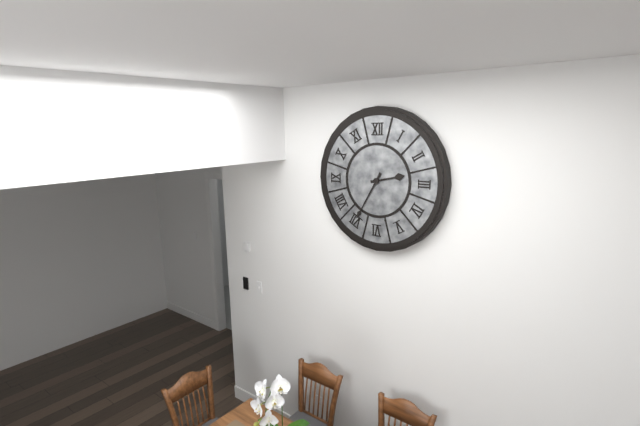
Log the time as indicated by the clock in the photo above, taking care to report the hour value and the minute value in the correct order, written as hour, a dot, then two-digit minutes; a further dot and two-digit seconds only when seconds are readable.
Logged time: 2.35
